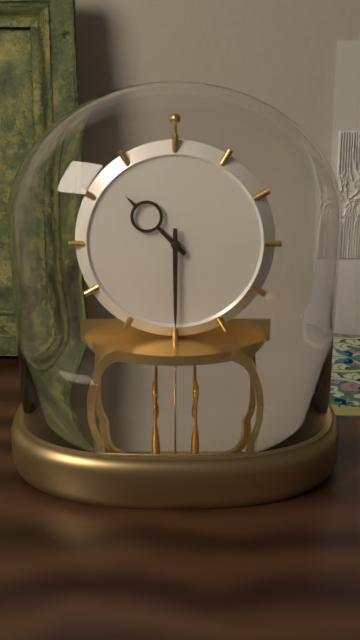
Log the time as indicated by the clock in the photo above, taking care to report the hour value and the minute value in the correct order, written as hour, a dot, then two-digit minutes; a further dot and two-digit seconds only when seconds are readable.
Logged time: 10.30
